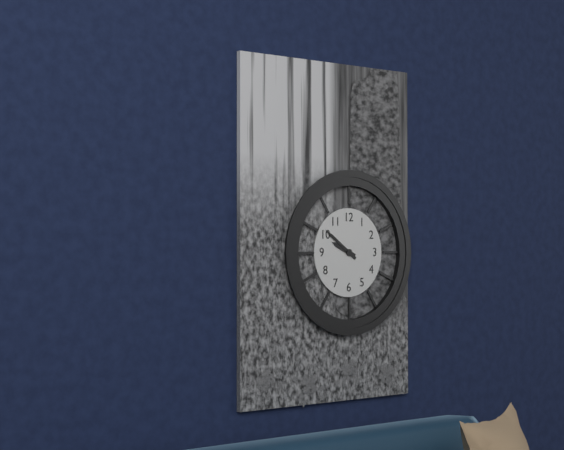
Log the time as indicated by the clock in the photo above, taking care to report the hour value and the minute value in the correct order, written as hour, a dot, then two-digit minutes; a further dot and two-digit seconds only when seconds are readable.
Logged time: 9.51
